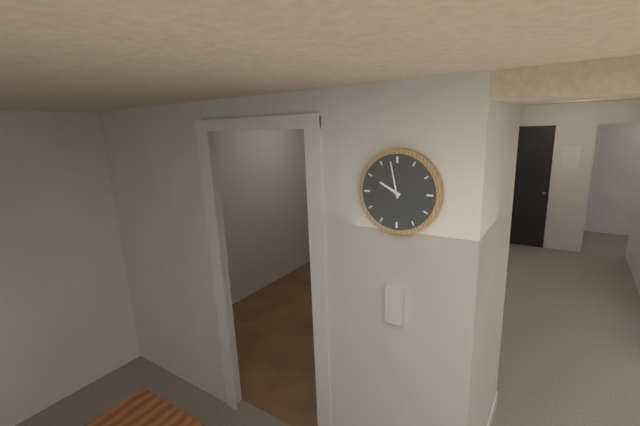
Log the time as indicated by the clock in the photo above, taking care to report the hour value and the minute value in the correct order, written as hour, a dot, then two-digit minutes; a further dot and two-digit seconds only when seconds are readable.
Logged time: 9.58
